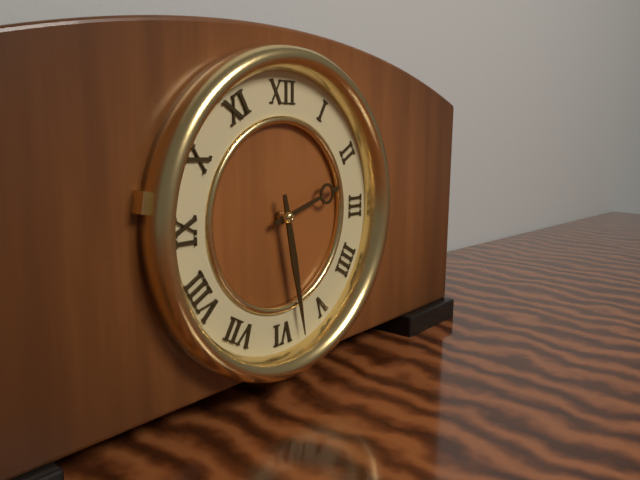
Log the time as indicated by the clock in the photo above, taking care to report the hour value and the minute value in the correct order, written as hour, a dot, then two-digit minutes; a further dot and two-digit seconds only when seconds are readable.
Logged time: 2.28
